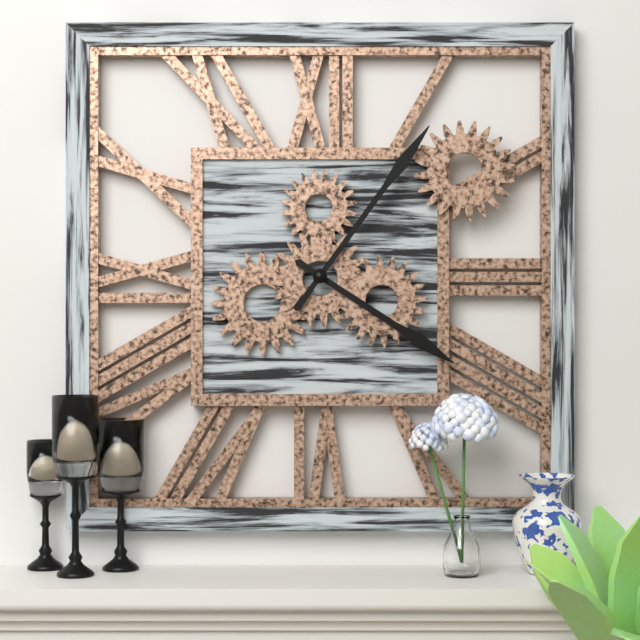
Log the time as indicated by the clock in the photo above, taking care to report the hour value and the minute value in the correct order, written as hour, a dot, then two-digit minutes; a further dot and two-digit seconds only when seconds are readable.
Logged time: 4.06
